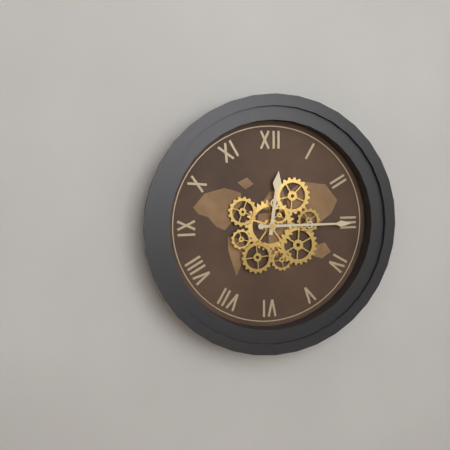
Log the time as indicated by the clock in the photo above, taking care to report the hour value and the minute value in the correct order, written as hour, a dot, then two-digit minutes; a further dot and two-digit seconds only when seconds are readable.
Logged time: 12.15
